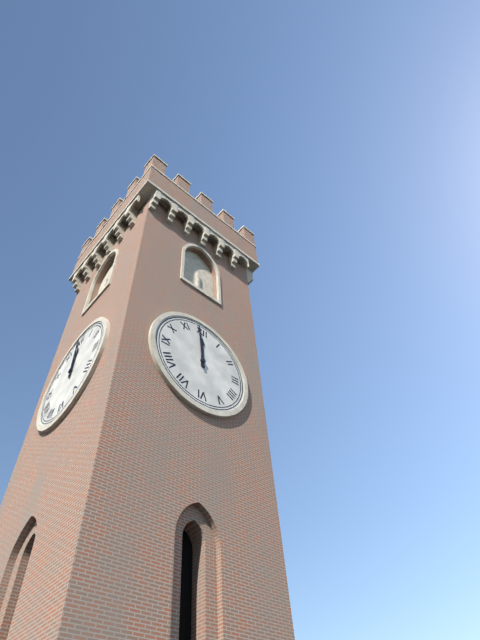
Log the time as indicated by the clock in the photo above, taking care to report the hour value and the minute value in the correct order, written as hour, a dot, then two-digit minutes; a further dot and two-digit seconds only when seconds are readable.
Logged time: 11.59
